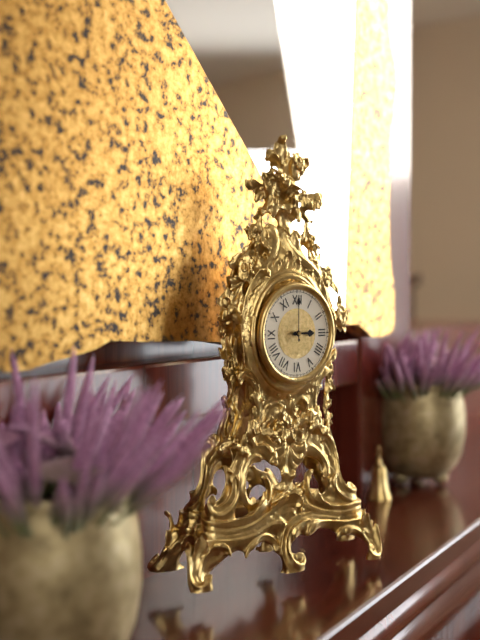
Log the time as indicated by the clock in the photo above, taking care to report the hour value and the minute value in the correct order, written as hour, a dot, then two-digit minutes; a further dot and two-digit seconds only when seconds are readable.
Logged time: 3.00
